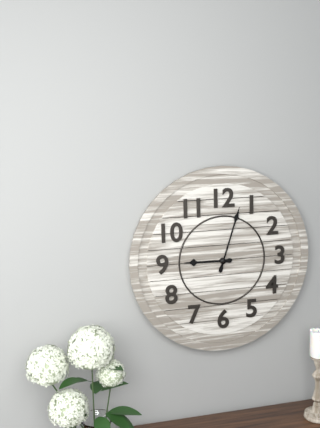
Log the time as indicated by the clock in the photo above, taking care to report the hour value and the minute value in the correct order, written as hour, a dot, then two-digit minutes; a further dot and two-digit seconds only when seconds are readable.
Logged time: 9.03
